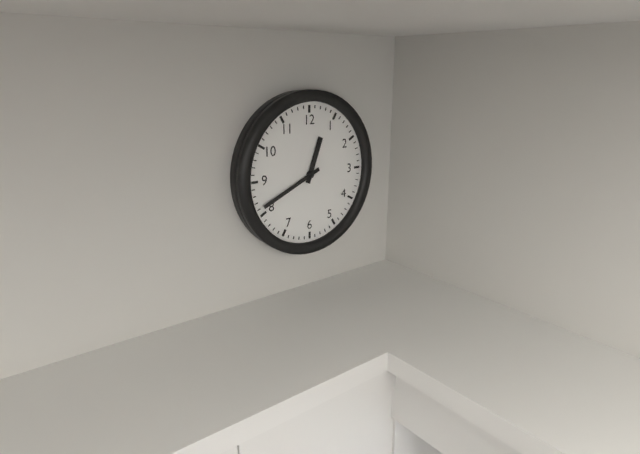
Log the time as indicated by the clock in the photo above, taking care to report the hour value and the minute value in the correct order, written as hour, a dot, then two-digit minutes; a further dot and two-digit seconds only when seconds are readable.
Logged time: 12.41
